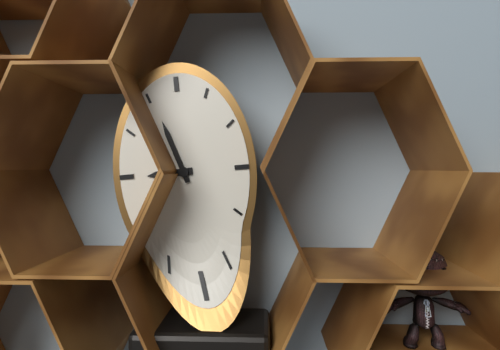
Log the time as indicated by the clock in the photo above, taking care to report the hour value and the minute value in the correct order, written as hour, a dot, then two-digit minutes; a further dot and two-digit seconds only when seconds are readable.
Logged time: 8.57
